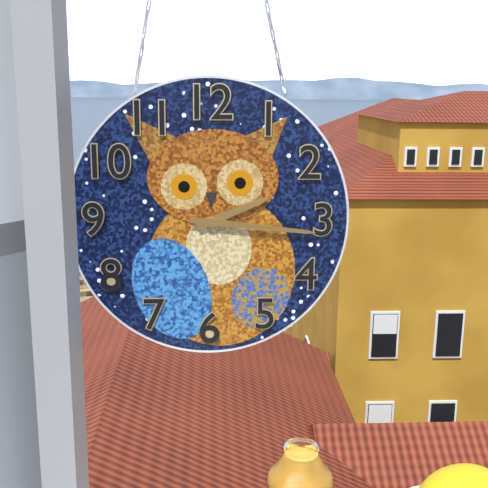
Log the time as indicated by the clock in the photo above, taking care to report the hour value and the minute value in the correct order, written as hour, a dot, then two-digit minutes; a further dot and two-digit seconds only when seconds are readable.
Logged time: 2.16
